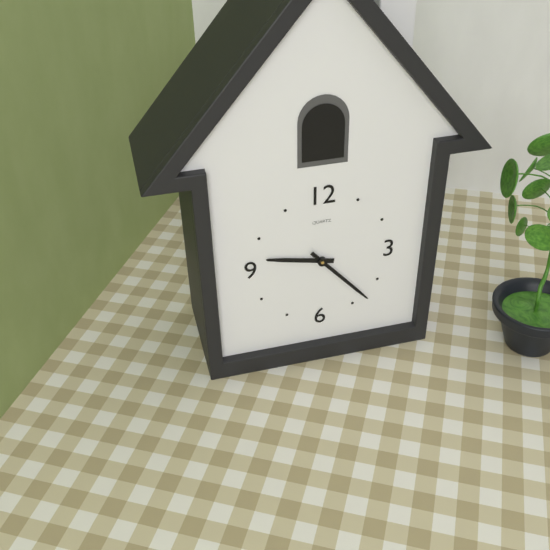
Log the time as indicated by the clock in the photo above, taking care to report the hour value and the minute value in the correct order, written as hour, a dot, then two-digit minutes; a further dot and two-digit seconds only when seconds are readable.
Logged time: 9.23
